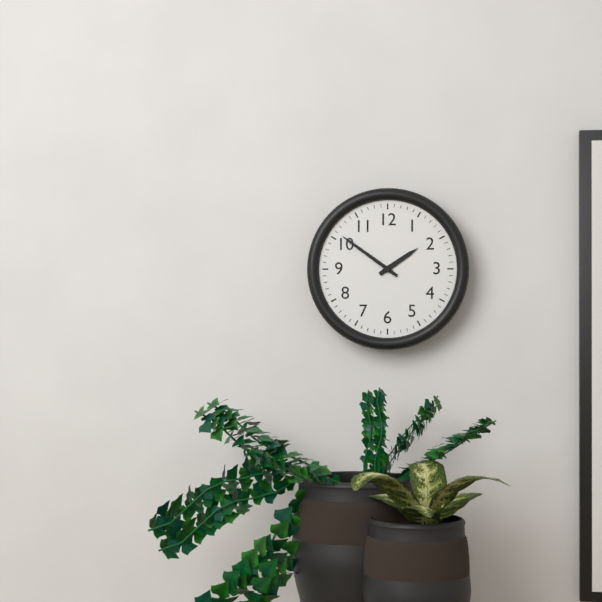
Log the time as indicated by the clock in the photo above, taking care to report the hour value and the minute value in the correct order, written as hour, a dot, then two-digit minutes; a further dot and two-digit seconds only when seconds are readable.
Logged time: 1.51
